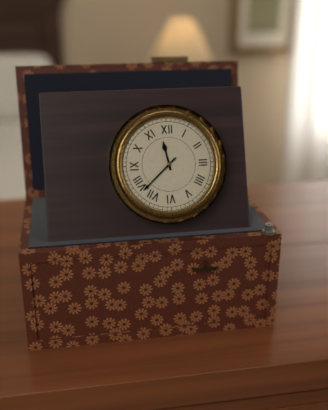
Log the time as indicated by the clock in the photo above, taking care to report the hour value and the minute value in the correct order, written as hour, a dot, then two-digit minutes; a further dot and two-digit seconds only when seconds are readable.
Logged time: 11.38
